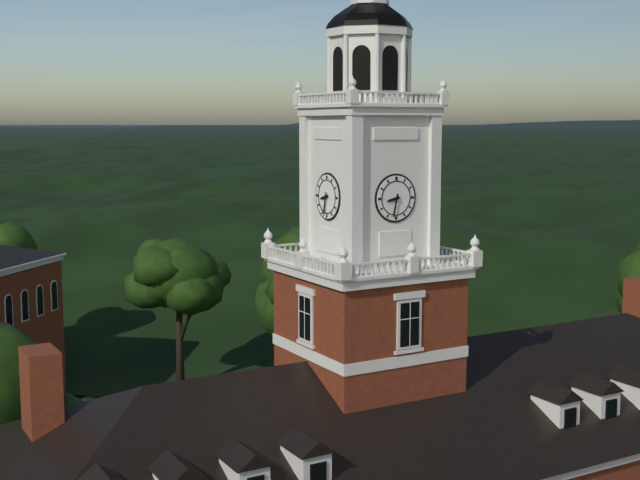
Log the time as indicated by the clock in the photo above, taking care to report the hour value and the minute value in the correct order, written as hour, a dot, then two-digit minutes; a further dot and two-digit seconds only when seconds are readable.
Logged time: 8.32
